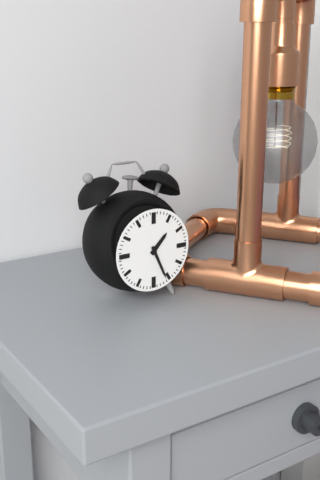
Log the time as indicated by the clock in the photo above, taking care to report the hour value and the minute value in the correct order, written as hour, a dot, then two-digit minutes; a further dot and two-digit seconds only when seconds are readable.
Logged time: 1.26
